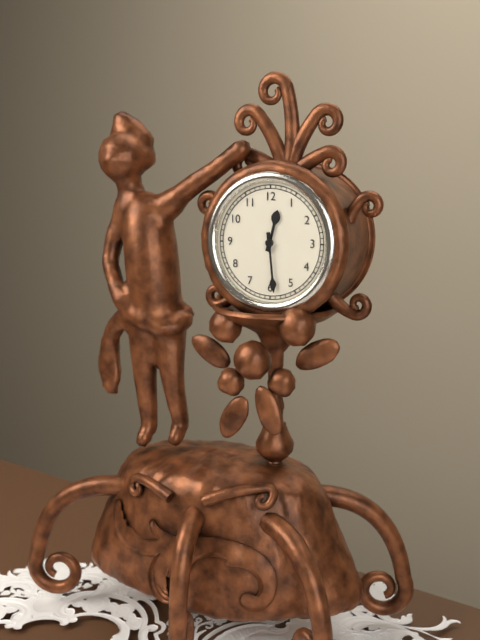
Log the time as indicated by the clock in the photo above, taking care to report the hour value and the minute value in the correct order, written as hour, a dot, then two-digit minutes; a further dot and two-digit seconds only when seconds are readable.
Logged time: 12.29
